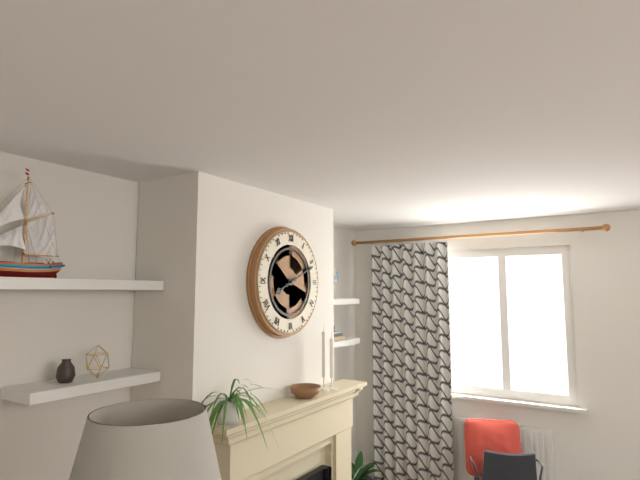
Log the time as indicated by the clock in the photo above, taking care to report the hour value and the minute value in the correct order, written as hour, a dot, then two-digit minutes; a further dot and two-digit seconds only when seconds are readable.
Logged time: 8.11
